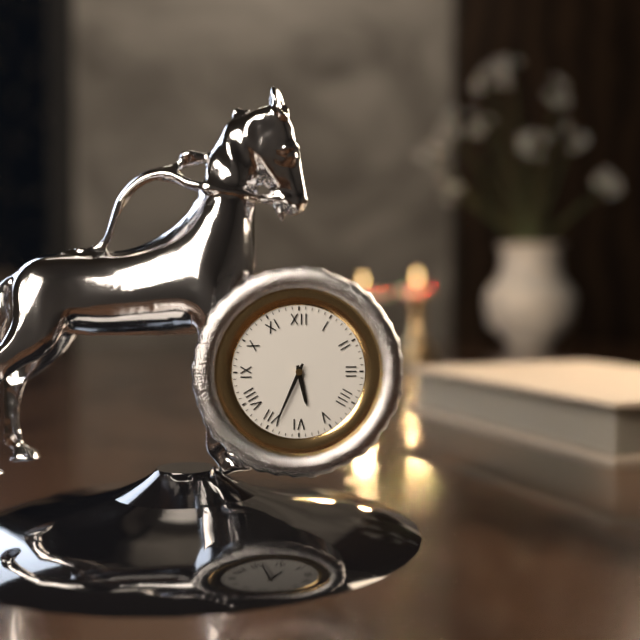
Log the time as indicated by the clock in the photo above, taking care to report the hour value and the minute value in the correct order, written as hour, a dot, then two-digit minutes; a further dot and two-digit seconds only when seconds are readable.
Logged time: 5.34
